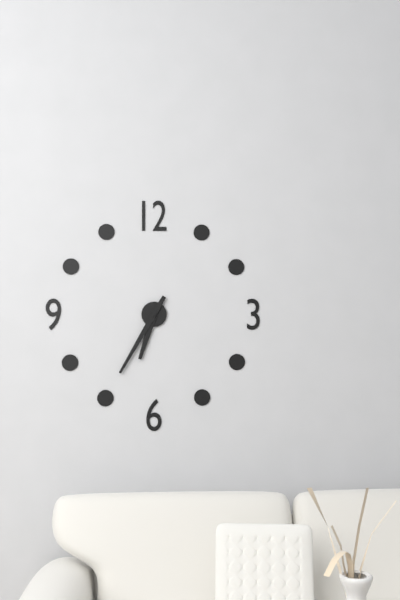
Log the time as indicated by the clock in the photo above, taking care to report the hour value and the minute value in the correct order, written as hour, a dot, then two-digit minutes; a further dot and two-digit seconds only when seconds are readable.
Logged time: 6.35
